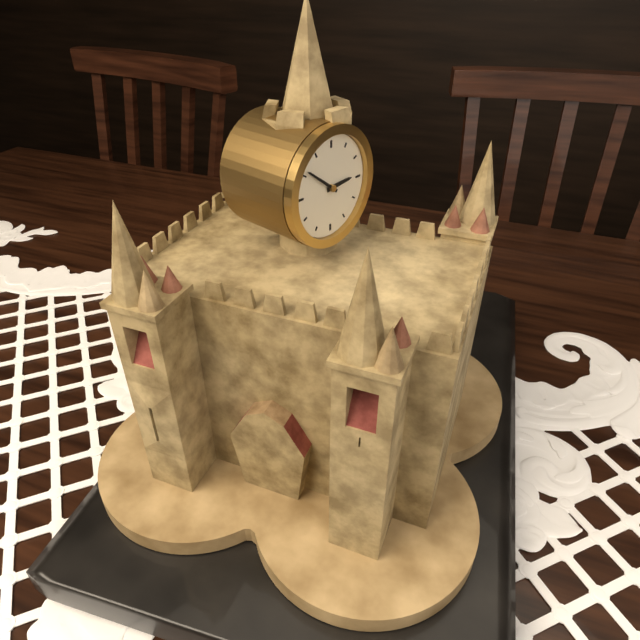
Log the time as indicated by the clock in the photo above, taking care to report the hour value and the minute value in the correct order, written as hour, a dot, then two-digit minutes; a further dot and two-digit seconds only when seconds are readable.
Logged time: 2.51
